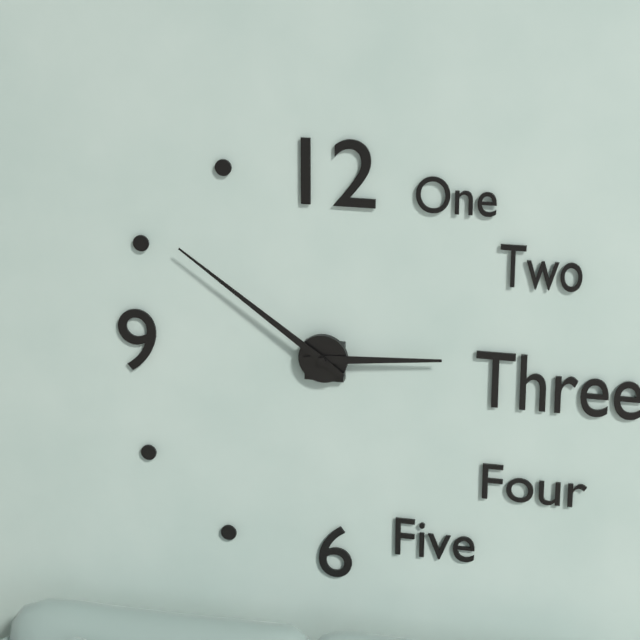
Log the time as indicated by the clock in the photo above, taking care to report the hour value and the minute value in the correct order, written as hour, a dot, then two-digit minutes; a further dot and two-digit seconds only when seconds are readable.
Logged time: 2.51
